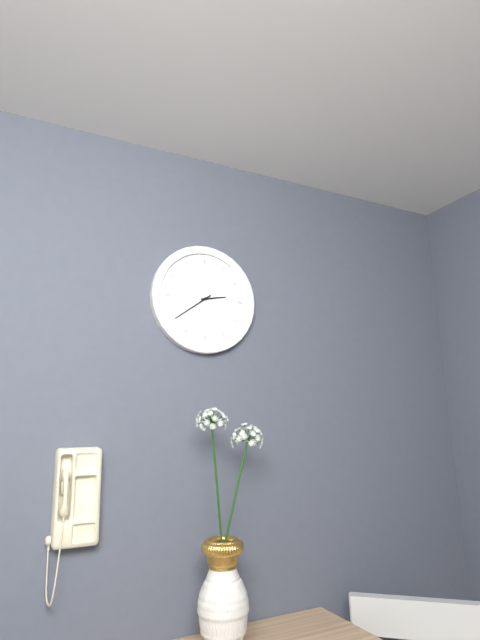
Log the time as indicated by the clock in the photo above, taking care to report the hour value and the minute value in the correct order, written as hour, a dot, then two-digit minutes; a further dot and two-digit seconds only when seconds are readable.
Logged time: 2.39
